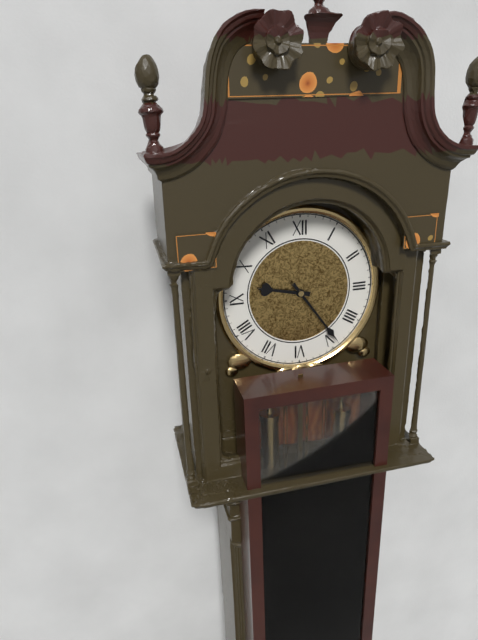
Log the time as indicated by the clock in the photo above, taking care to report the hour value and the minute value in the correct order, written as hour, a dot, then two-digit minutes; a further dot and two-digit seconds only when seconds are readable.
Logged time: 9.24
